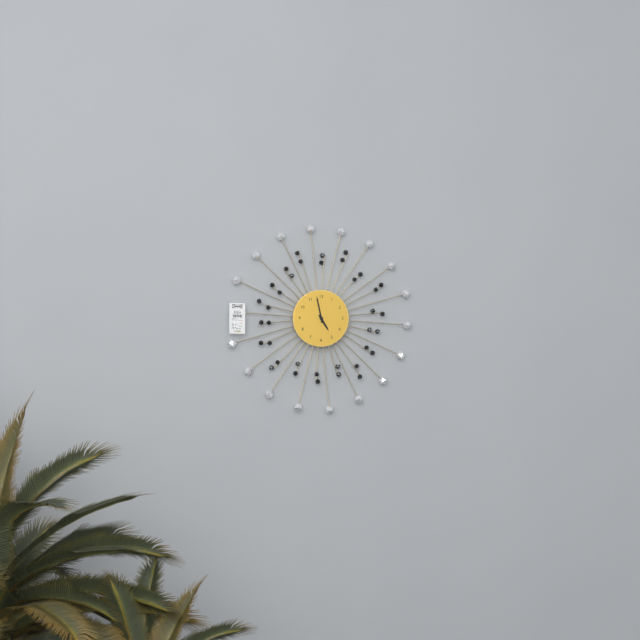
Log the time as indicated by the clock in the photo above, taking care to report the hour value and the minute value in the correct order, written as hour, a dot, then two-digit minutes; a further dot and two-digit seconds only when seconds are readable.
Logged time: 4.58
